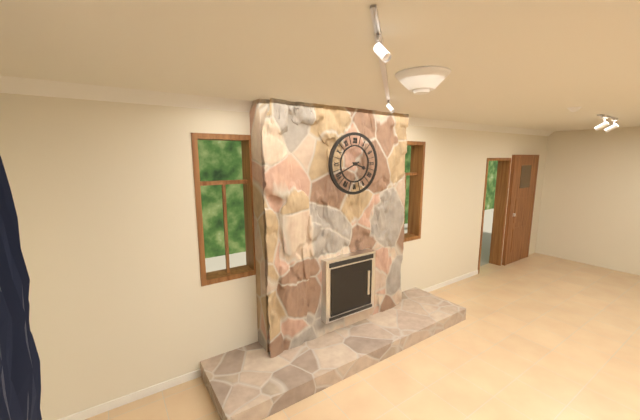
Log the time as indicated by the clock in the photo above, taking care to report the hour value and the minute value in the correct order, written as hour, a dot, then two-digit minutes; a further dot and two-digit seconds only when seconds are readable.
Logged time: 3.41
